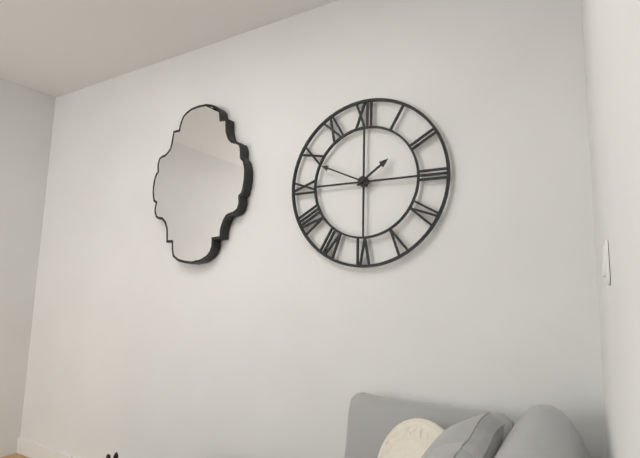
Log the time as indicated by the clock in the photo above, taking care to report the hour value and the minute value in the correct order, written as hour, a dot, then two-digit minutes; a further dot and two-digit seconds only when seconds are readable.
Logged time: 1.49
